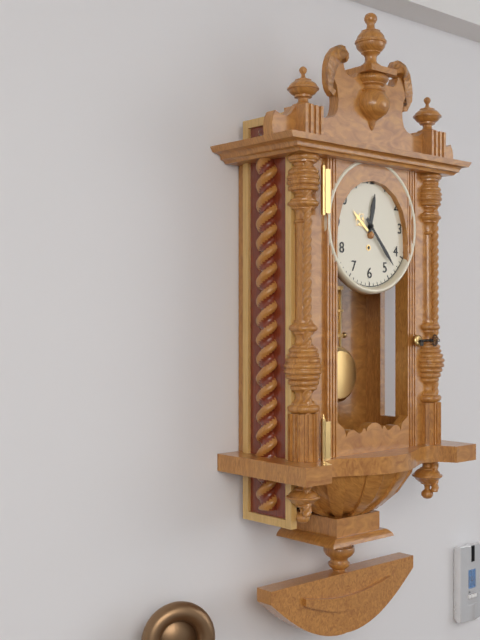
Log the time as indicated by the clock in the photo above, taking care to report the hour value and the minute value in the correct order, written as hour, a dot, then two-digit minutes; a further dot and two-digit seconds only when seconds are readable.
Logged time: 12.23
